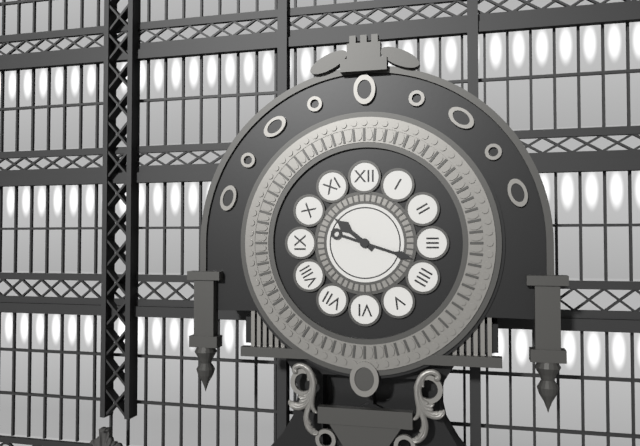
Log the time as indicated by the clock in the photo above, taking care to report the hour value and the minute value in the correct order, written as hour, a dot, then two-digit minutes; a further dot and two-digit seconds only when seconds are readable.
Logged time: 10.18
